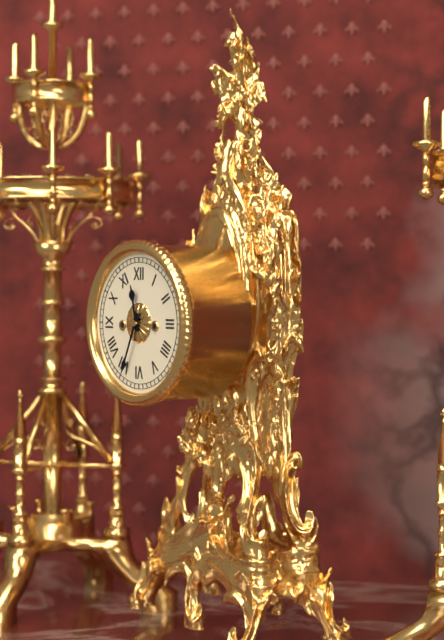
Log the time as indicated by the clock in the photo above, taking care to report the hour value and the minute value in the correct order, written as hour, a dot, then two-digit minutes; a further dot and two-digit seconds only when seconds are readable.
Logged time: 11.34
